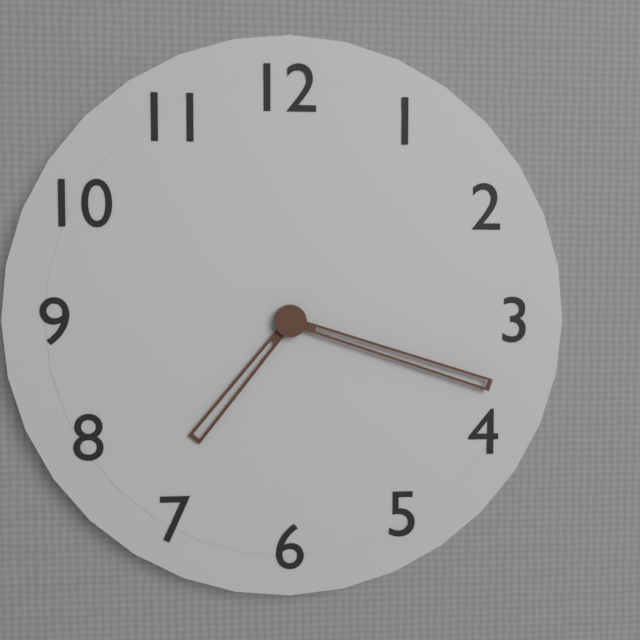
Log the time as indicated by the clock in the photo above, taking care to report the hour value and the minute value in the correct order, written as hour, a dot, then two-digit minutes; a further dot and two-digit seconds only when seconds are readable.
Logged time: 7.18
